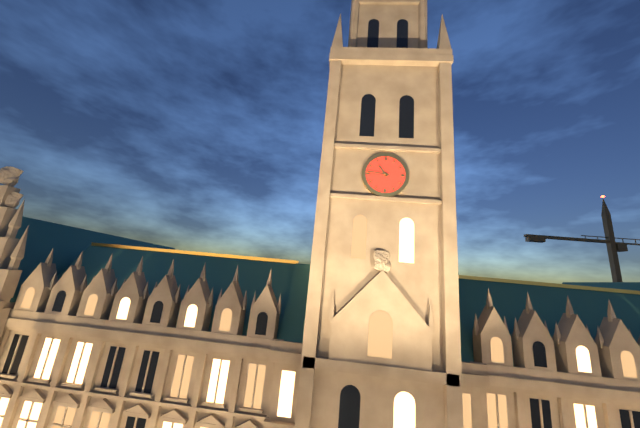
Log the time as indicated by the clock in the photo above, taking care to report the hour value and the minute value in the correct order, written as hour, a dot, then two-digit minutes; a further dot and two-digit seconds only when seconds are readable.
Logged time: 10.46
